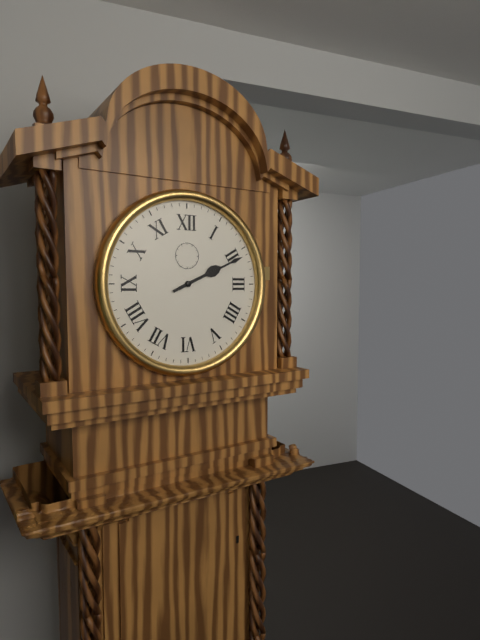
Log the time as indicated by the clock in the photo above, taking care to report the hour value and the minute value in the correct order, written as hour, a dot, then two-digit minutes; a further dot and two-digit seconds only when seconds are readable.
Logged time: 2.11
